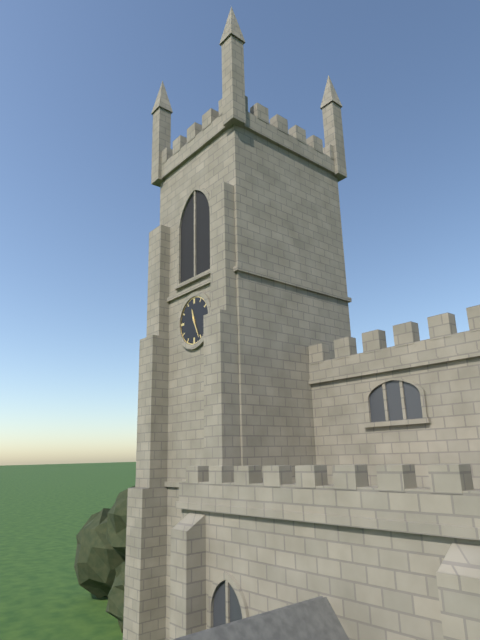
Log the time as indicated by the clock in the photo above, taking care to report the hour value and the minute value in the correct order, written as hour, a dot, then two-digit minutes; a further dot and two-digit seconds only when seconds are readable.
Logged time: 11.26
